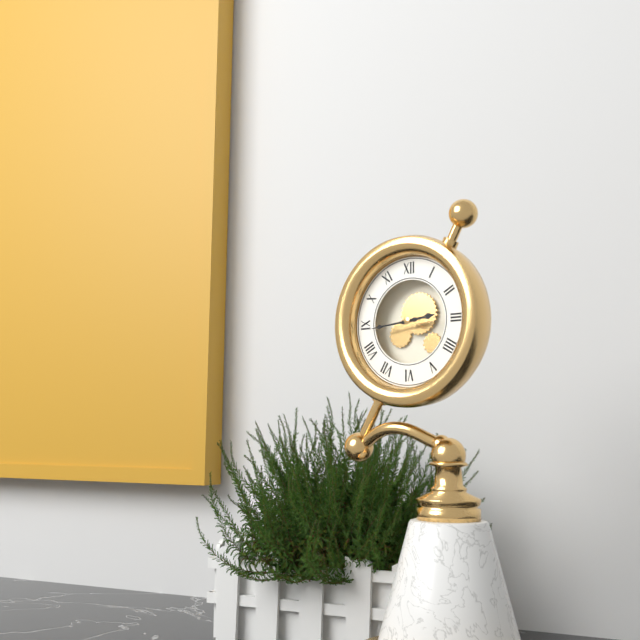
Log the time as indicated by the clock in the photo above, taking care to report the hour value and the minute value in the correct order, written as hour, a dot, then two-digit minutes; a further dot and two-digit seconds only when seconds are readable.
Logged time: 2.44
